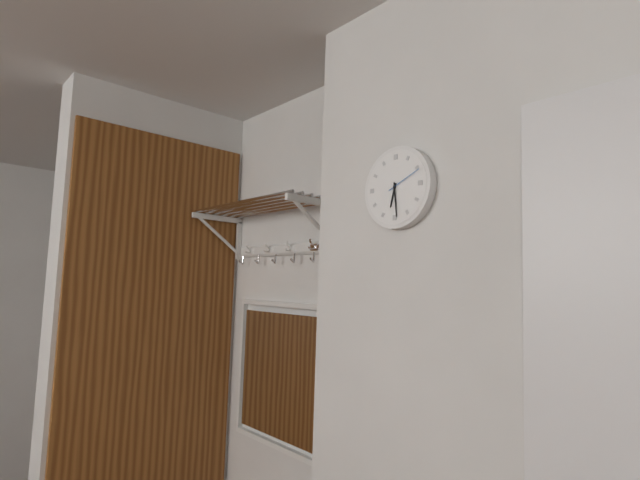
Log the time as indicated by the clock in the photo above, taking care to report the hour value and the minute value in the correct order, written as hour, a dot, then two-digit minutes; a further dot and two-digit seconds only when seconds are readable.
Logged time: 6.29
